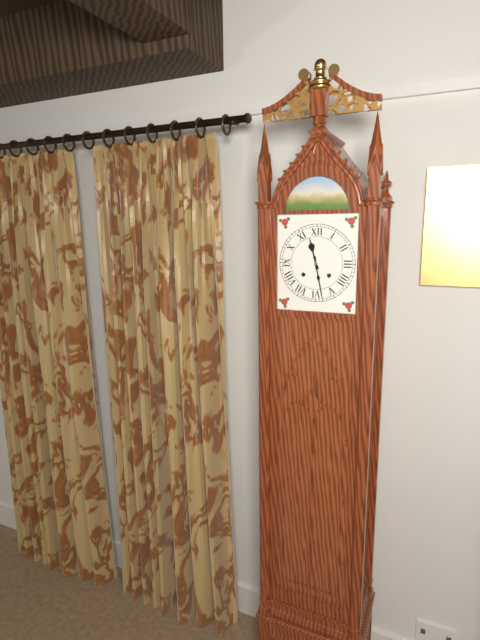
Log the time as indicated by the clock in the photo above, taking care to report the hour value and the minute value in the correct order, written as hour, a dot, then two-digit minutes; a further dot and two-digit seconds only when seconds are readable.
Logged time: 11.28
